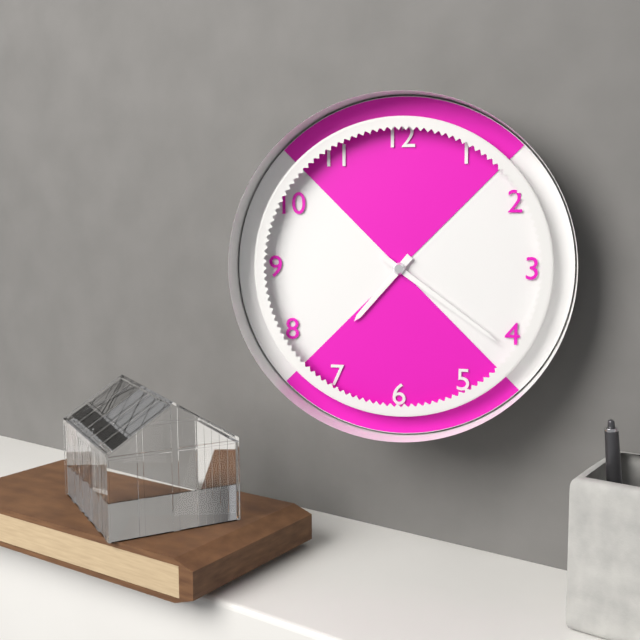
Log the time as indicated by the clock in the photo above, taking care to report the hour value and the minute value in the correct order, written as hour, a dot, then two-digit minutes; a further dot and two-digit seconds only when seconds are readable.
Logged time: 7.21
